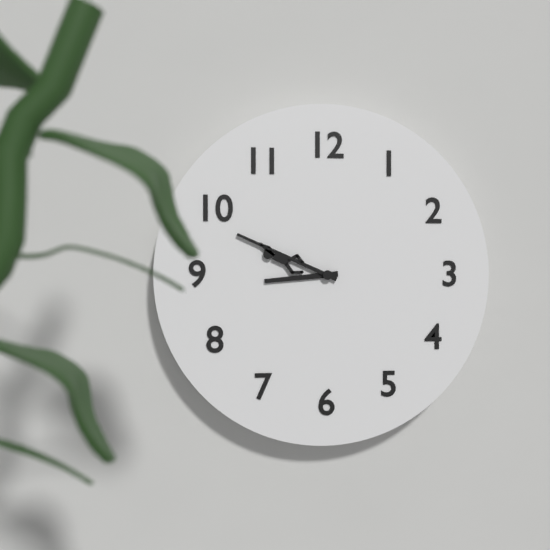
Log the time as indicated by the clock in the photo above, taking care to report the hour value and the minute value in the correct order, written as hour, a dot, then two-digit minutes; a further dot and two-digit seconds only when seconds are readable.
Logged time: 8.49
